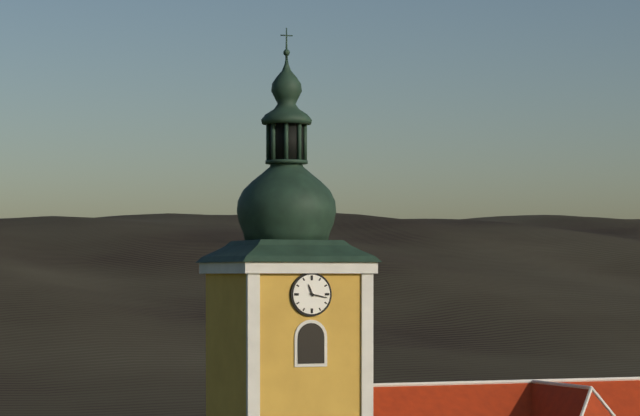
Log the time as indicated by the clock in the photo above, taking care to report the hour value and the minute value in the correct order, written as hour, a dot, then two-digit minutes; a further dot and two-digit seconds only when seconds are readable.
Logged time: 11.17
